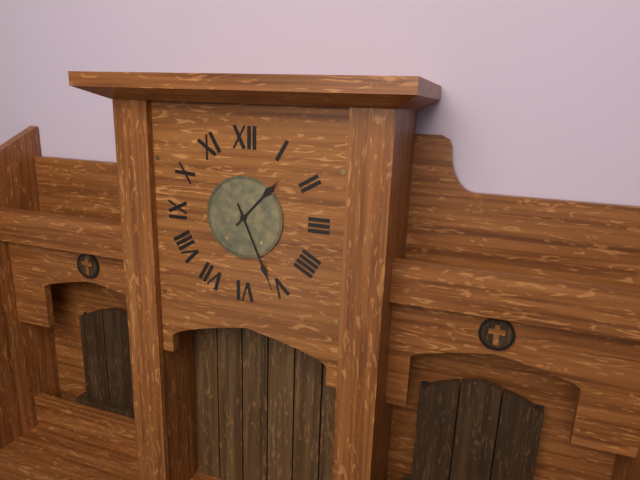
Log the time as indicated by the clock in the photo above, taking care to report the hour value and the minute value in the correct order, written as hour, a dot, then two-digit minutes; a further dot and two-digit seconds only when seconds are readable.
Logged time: 1.26
